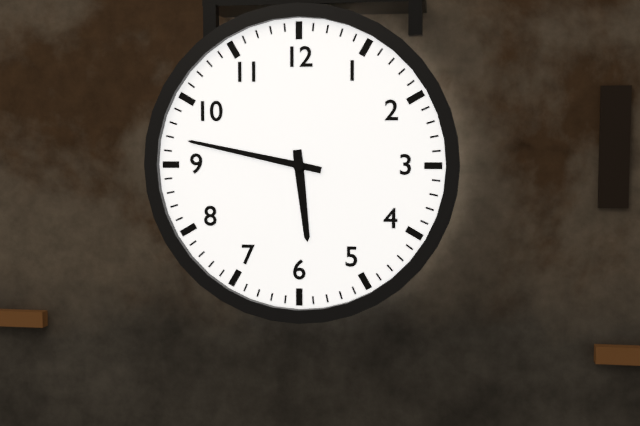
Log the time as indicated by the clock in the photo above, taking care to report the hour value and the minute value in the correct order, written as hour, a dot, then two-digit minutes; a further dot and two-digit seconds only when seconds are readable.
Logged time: 5.47
